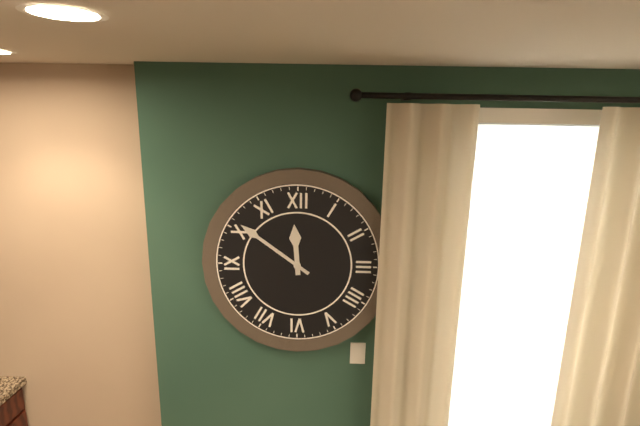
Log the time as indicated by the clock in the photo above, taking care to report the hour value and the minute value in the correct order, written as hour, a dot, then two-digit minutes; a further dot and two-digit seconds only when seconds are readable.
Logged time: 11.51
